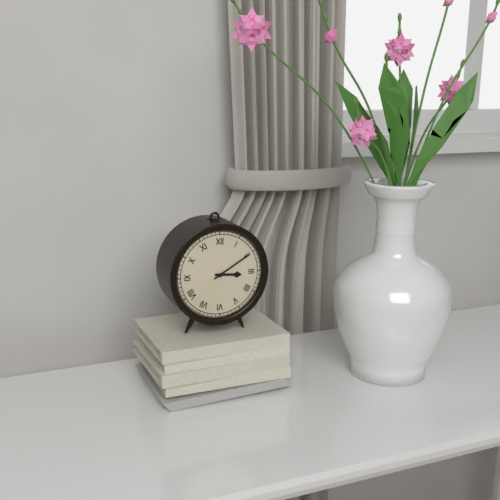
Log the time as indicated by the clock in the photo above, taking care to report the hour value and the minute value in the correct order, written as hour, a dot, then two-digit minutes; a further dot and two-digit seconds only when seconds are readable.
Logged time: 3.10
